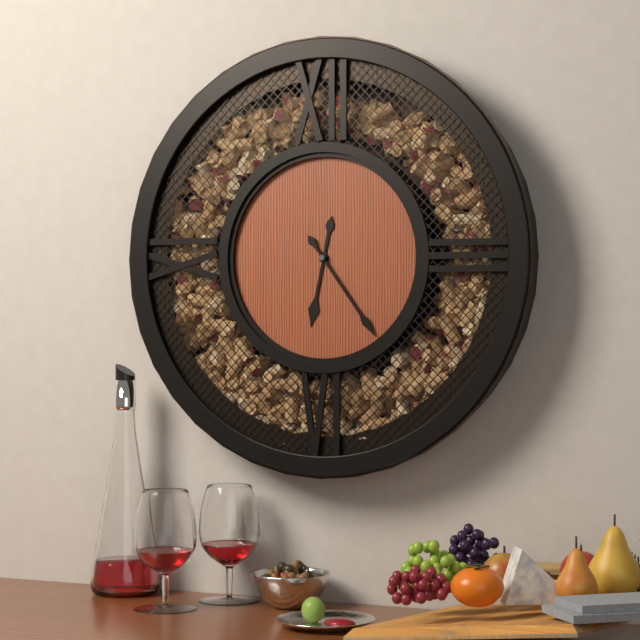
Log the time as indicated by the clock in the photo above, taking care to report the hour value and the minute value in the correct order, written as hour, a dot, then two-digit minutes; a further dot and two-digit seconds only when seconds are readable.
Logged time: 6.24
